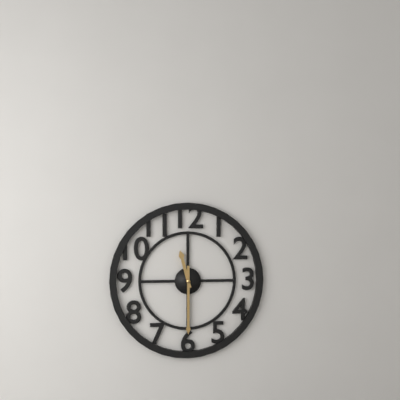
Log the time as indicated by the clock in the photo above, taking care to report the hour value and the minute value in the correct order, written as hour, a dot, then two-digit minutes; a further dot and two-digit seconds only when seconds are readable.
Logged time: 11.30
